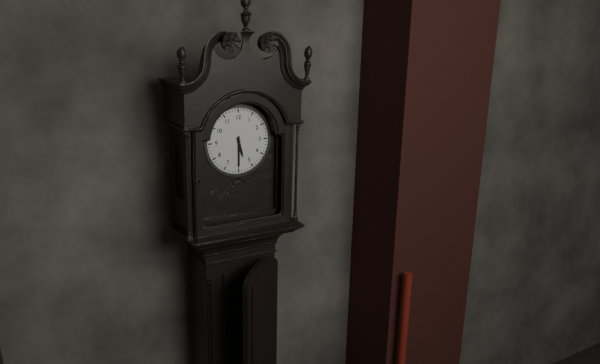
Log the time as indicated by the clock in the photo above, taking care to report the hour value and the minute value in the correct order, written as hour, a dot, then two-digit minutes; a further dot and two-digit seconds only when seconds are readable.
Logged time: 5.30
